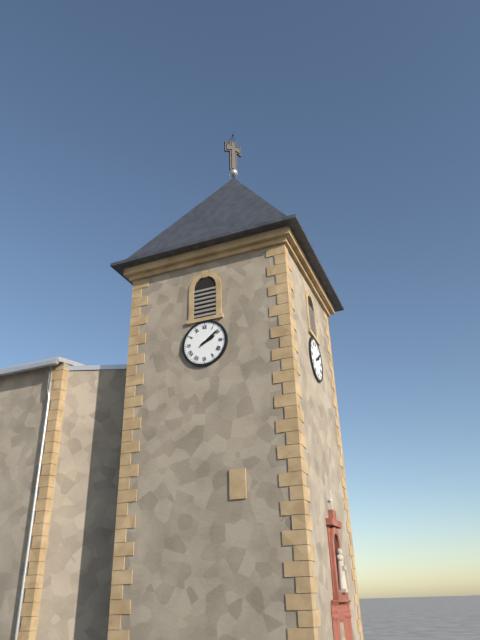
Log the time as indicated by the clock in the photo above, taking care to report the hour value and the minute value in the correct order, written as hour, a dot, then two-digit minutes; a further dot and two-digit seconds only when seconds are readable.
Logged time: 2.09
